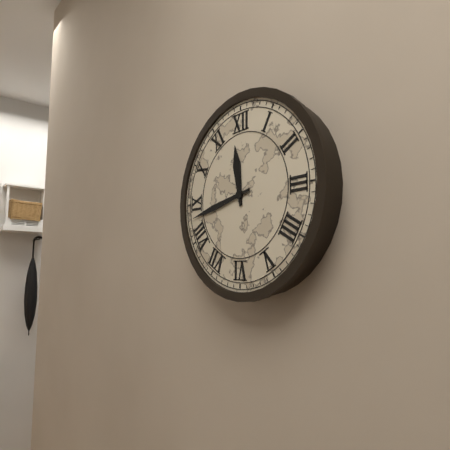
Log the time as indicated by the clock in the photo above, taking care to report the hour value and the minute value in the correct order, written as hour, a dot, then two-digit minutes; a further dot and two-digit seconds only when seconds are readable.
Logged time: 11.43
